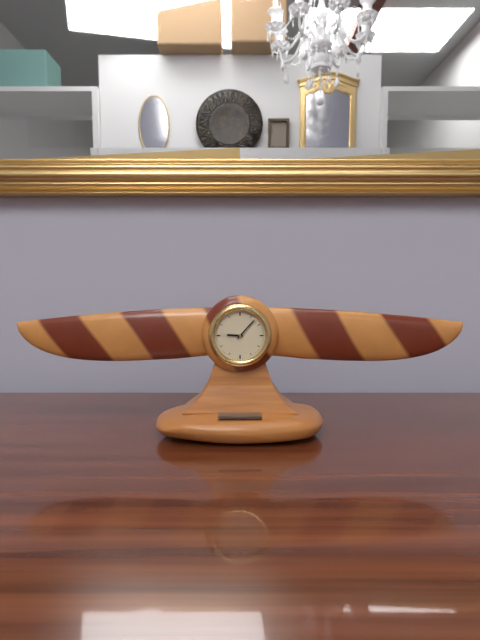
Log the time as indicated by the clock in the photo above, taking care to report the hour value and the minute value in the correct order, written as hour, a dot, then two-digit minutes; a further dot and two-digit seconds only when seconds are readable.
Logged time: 9.07
